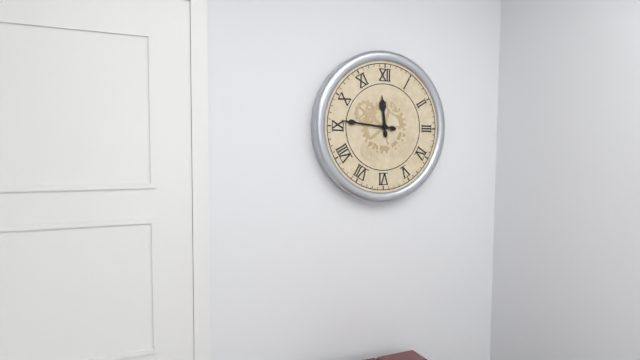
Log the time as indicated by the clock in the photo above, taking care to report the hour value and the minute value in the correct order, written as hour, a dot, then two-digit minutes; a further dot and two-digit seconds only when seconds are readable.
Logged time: 11.46
